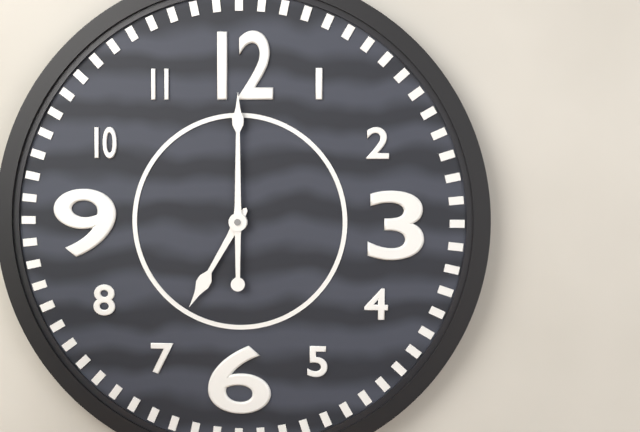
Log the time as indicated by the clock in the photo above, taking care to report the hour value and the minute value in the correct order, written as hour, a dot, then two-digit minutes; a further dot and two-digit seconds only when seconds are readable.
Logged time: 7.00
